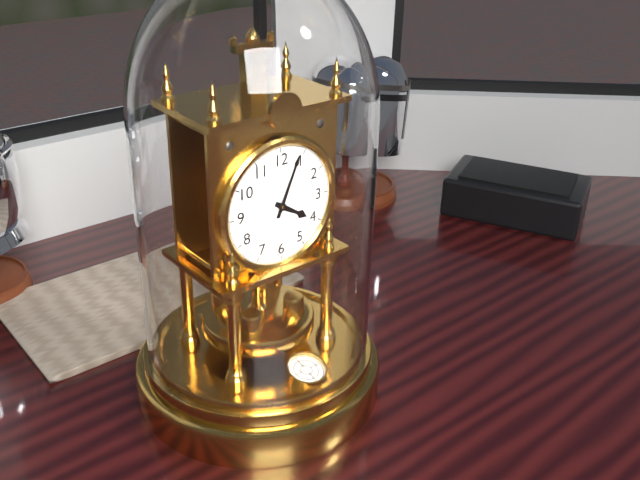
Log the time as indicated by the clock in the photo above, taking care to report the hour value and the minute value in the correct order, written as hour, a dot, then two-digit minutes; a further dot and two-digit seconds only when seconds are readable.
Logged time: 4.04
